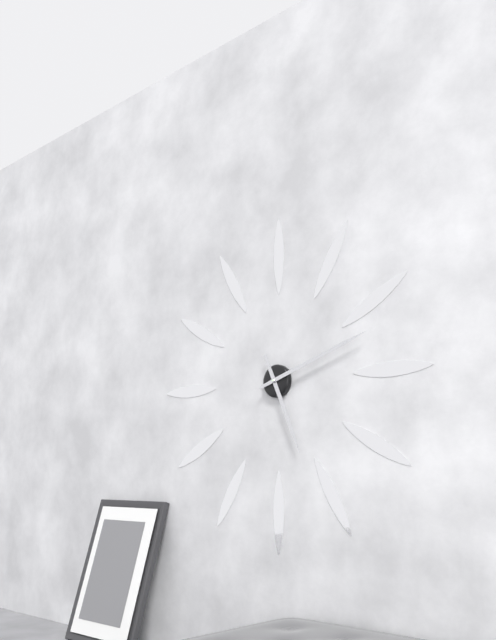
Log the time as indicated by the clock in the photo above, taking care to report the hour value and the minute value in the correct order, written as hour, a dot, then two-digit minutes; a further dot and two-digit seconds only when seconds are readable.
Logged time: 5.12
